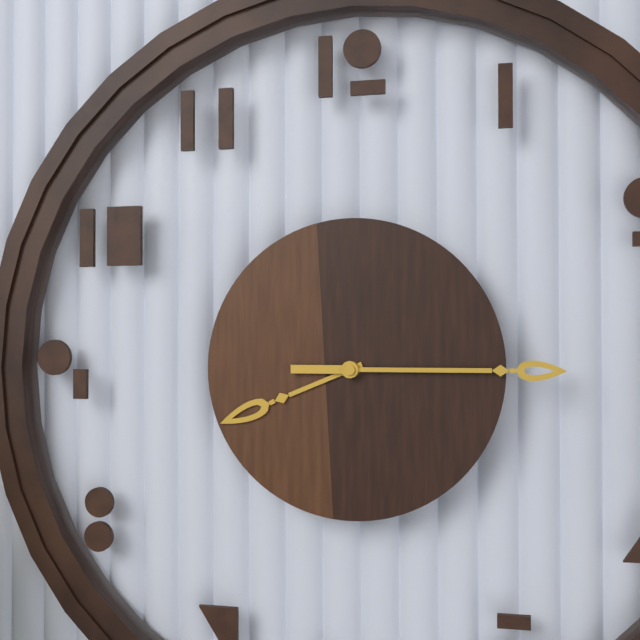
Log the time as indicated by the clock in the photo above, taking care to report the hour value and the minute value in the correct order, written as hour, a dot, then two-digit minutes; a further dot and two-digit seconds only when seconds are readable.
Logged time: 8.15
